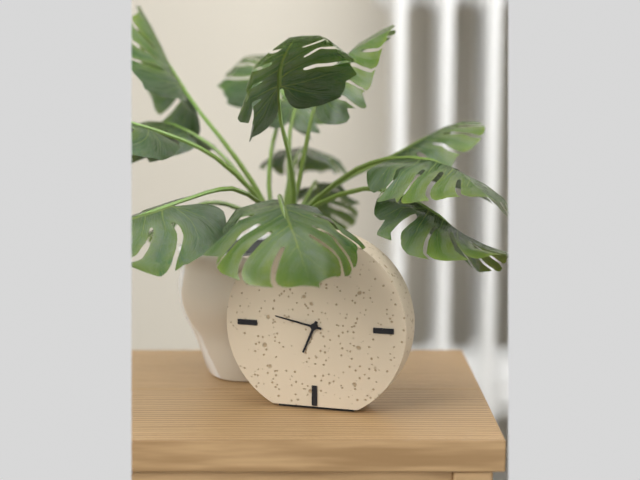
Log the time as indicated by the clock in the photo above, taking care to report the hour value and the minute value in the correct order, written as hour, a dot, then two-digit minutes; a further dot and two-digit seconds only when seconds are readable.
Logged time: 6.47
